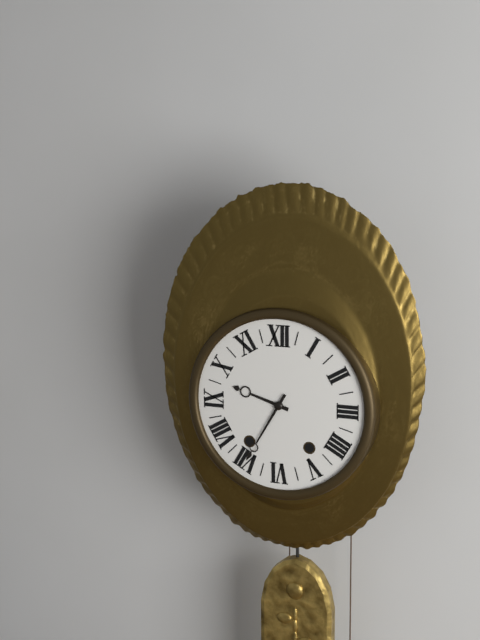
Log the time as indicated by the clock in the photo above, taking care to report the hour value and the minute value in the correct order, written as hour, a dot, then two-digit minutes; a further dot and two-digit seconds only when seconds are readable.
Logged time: 9.35
